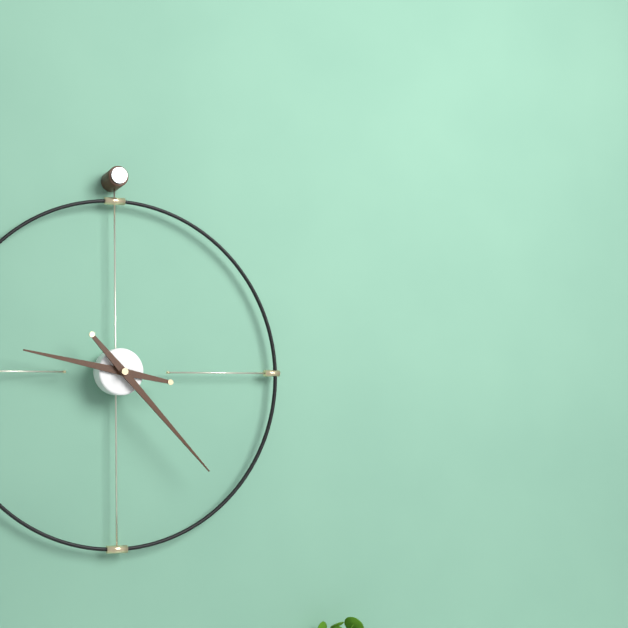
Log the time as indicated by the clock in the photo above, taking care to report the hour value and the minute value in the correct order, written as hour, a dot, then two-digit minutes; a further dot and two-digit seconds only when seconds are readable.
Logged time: 9.23
